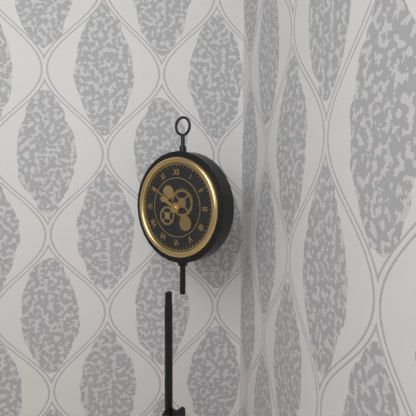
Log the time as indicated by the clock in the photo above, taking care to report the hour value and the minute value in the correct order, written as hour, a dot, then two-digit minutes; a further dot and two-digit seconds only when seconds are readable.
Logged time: 9.51
